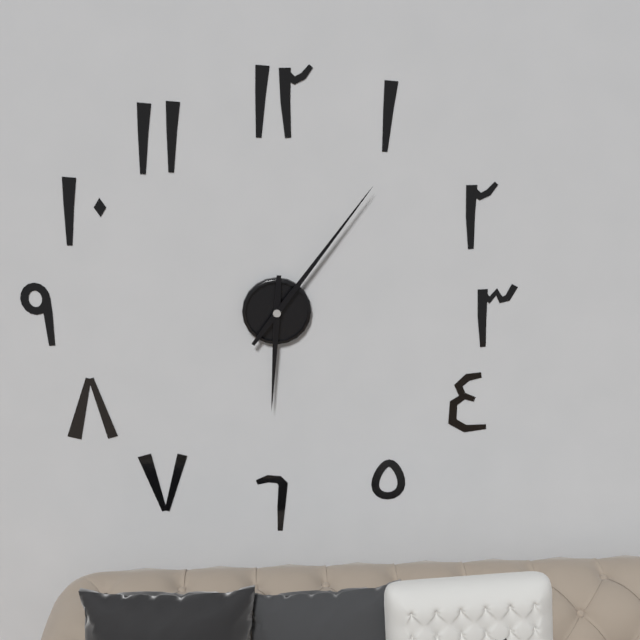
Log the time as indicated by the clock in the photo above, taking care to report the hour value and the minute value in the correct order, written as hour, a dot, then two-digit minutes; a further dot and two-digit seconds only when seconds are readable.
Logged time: 6.06
